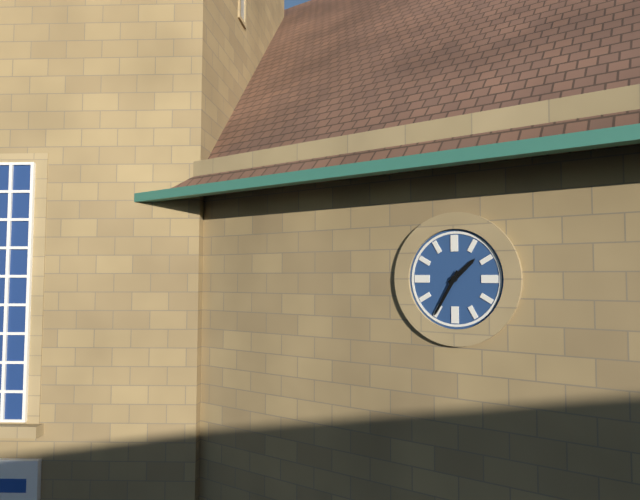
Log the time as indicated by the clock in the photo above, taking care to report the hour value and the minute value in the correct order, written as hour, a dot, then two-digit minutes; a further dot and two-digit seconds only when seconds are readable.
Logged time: 1.35
